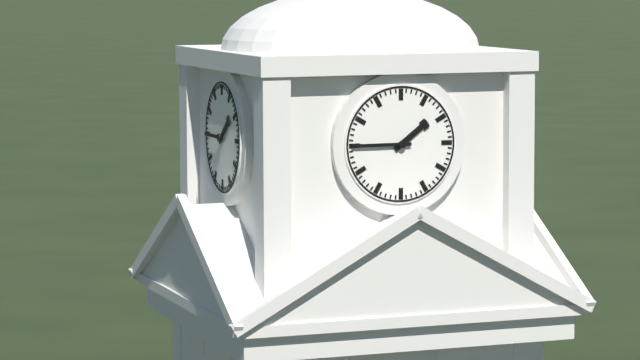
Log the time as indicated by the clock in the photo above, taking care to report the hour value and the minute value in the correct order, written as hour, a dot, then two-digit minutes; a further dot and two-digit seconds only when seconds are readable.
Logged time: 1.45
